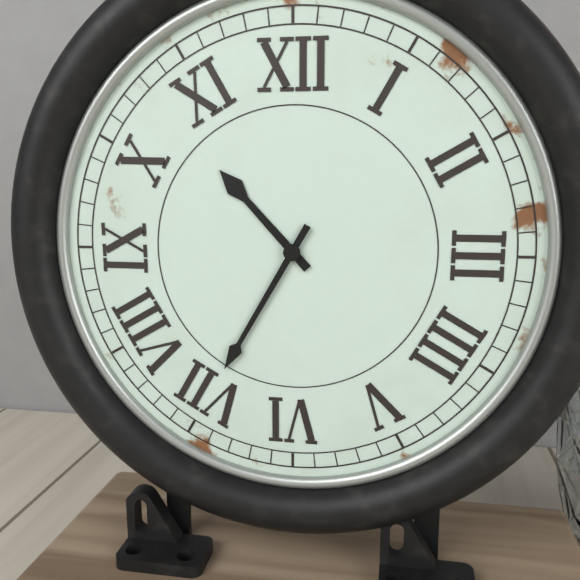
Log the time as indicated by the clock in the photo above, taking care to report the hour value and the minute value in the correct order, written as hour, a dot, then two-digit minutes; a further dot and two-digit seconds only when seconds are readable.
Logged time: 10.35
